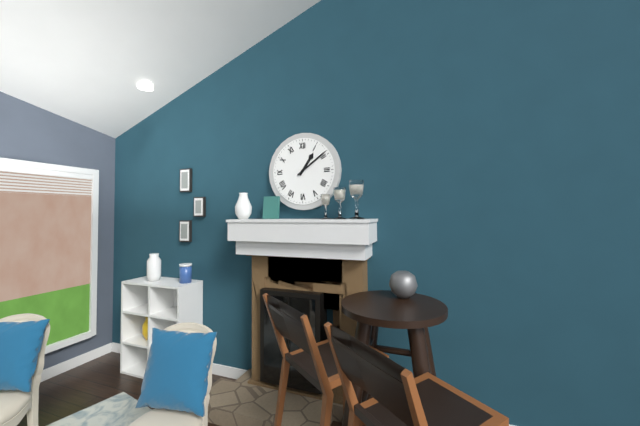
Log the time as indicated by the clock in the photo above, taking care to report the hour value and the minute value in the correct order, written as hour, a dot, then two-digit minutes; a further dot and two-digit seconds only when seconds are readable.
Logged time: 1.09
